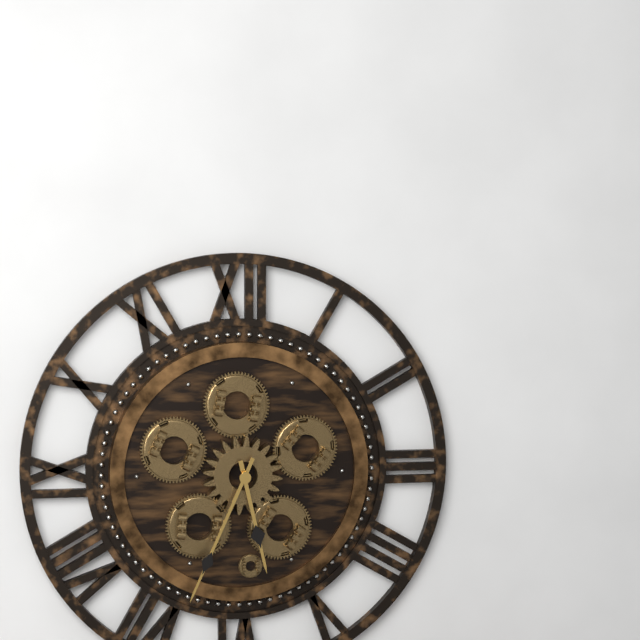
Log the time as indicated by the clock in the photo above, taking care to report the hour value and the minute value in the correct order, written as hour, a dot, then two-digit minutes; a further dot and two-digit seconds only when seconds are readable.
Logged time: 5.34
